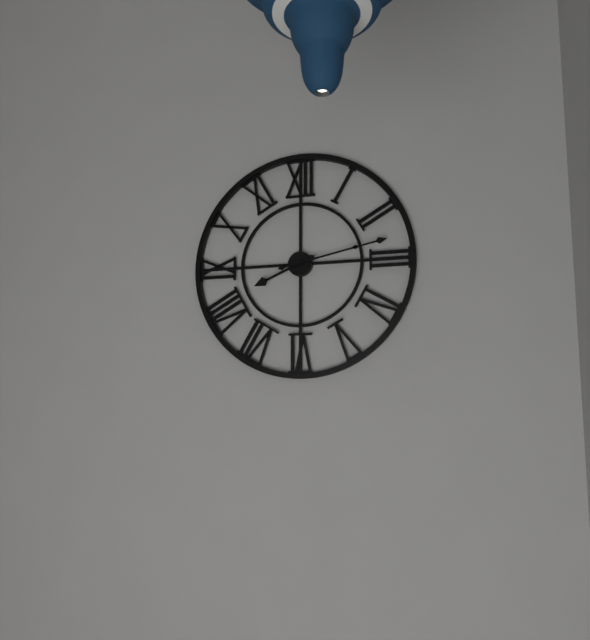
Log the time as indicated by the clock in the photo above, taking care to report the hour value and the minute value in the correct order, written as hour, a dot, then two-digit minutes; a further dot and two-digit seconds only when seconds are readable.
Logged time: 8.13
